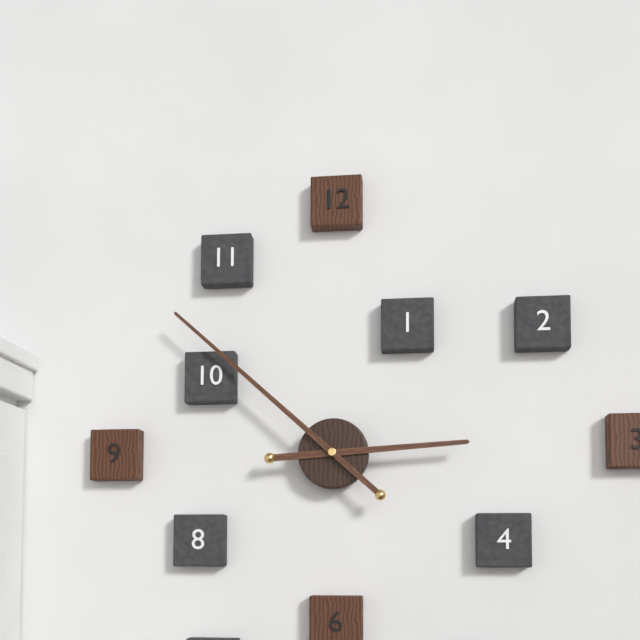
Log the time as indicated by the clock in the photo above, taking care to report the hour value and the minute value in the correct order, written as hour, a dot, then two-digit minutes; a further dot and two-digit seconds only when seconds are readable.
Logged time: 2.52
